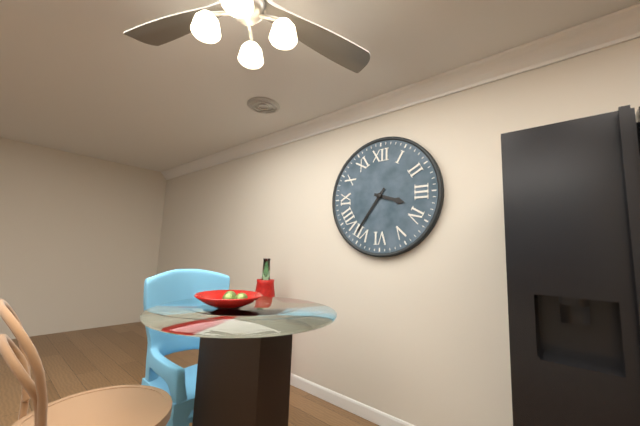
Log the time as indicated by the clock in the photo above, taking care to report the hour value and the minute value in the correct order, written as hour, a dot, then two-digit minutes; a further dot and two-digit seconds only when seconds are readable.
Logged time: 3.36
